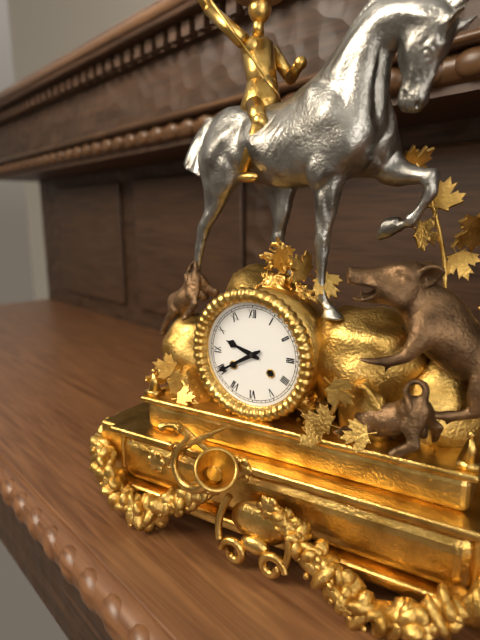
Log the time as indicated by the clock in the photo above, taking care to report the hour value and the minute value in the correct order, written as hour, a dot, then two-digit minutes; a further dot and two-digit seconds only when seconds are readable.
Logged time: 9.40
